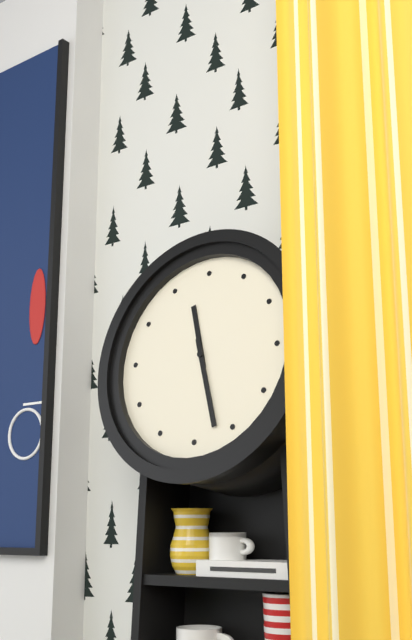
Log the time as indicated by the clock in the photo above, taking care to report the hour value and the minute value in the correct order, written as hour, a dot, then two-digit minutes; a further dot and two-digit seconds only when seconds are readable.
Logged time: 11.27
